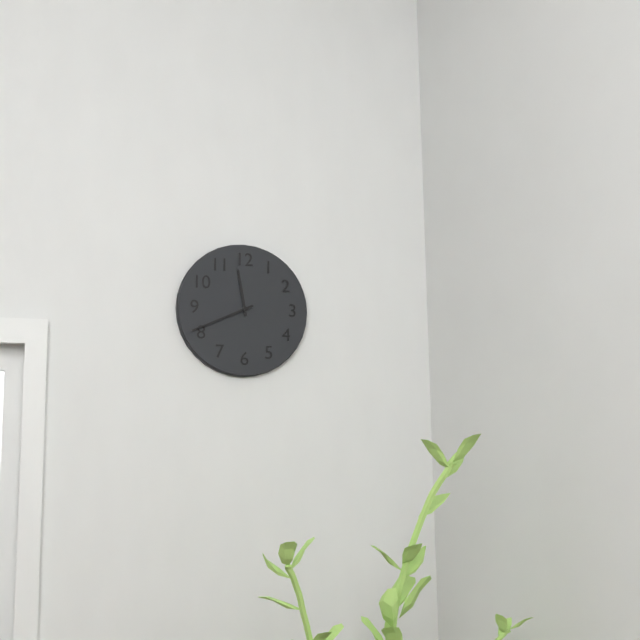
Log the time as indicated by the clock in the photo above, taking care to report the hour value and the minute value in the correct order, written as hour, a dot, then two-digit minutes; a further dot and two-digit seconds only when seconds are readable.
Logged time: 11.41
